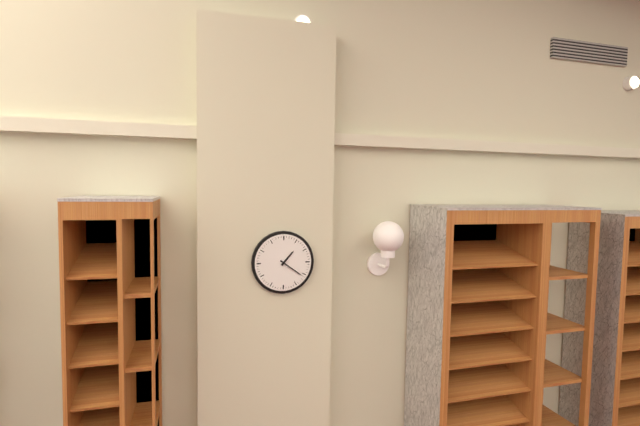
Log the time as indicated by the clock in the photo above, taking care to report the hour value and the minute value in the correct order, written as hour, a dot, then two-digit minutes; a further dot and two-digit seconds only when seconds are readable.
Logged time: 1.21
